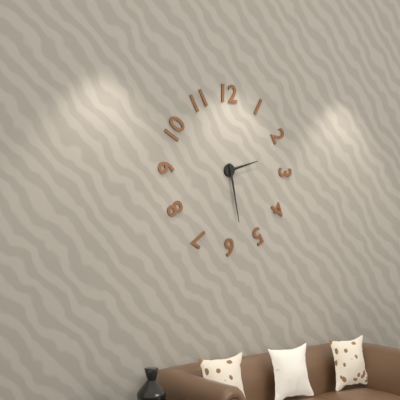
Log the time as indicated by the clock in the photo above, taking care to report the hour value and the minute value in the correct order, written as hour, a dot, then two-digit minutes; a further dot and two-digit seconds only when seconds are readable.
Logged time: 2.28
